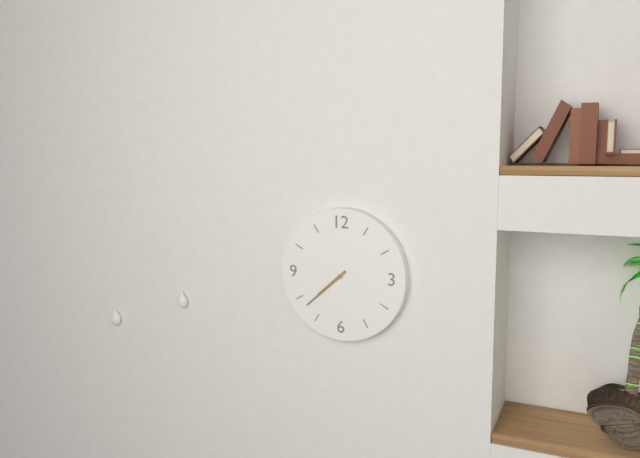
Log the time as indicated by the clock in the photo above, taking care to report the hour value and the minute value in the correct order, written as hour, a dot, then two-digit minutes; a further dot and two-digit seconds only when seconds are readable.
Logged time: 7.38
